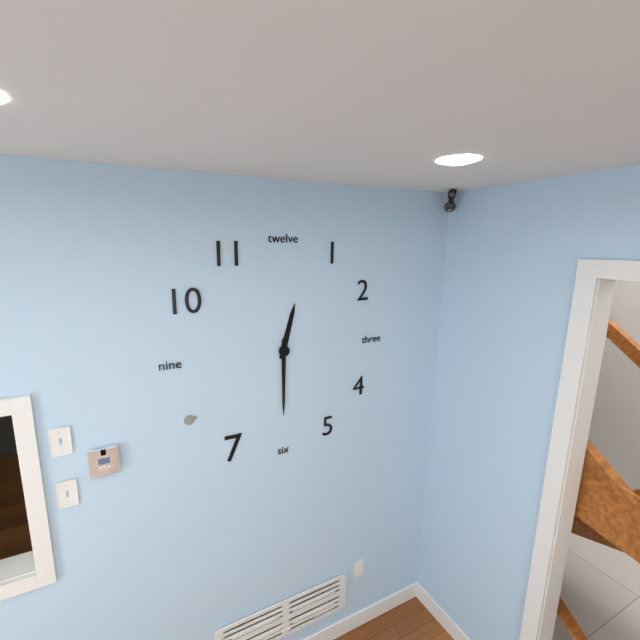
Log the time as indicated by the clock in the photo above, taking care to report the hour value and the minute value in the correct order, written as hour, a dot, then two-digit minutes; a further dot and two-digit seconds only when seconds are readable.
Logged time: 12.30
